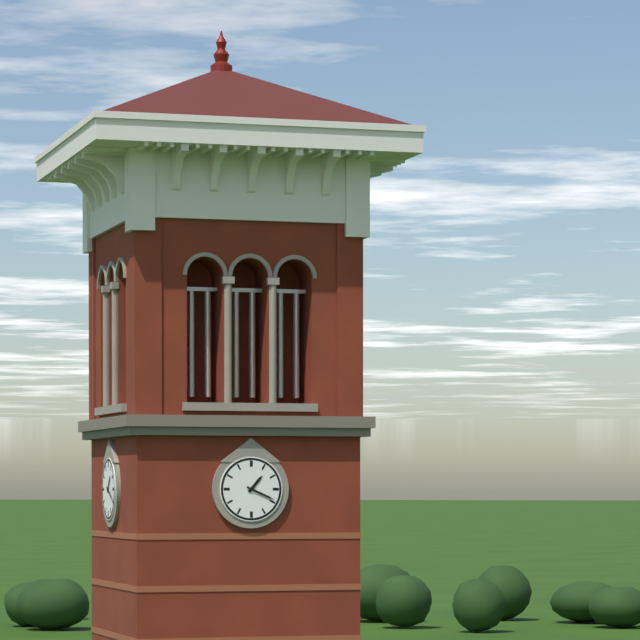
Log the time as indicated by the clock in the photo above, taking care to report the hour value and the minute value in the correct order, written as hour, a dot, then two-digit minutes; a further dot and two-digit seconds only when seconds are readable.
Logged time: 1.19
